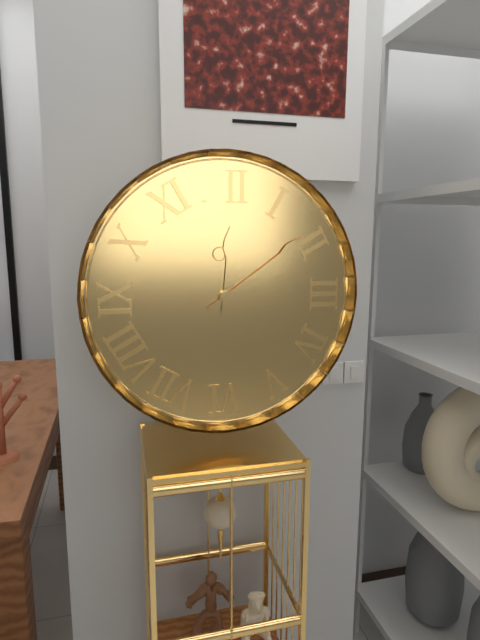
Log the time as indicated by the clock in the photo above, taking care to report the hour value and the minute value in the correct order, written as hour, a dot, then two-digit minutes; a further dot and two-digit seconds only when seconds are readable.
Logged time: 12.09
